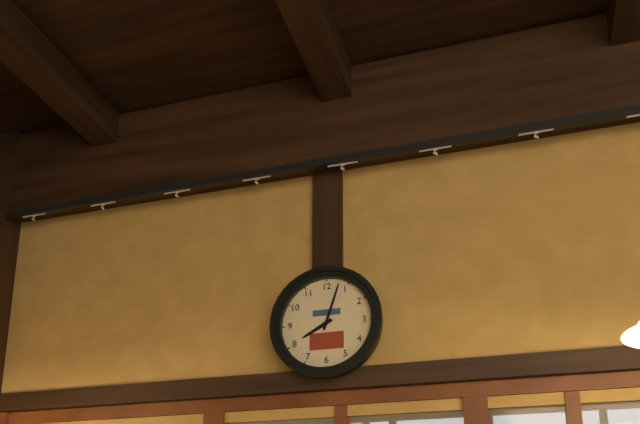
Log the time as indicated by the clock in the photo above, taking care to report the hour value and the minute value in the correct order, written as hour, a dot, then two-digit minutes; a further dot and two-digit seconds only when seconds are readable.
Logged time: 8.03
